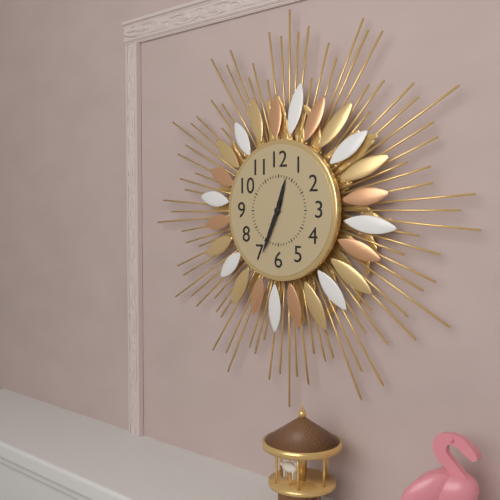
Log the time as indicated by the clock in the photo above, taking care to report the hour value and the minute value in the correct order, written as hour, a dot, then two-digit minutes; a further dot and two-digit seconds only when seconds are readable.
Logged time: 12.34
